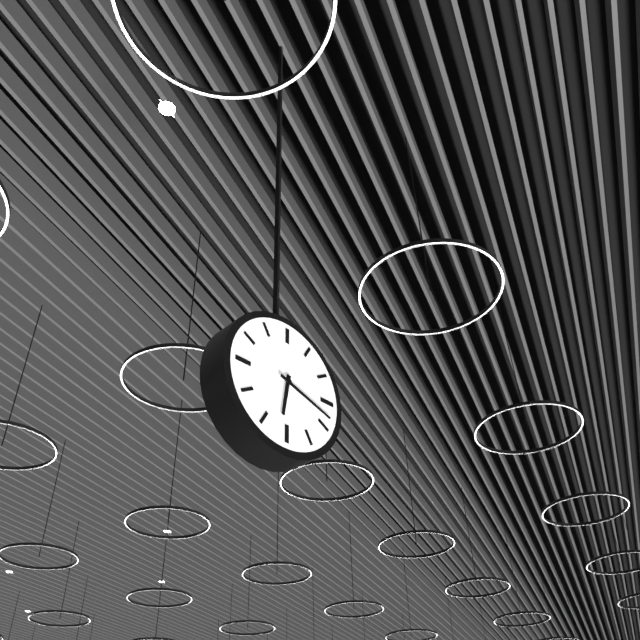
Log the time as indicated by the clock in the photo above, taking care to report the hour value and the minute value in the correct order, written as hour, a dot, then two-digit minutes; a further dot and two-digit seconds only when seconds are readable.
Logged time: 6.18
